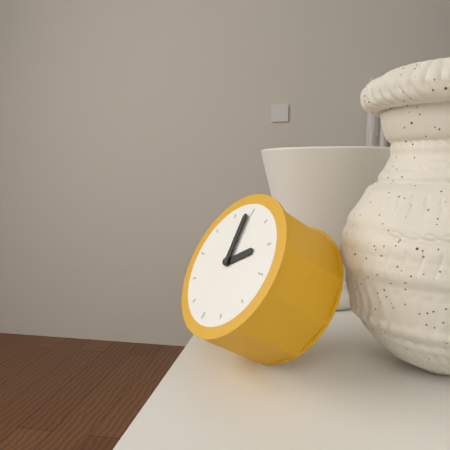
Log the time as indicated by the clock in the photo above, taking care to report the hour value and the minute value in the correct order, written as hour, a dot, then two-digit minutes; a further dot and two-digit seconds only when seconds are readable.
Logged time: 1.59
